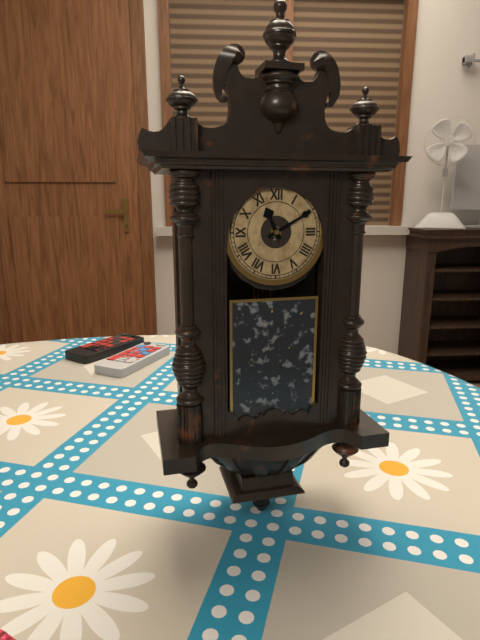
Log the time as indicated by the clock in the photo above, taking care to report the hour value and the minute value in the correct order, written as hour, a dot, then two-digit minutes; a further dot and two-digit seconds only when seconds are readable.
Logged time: 11.10
